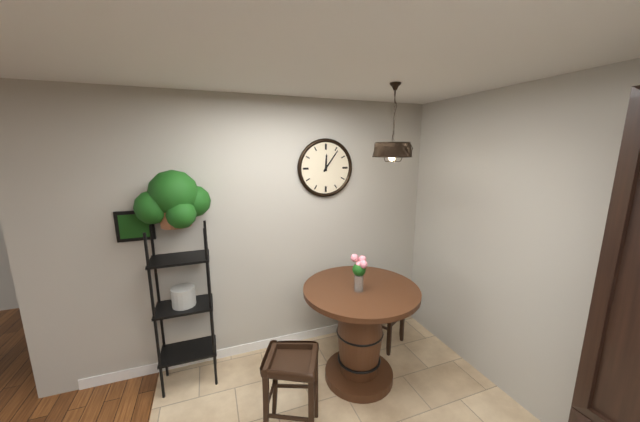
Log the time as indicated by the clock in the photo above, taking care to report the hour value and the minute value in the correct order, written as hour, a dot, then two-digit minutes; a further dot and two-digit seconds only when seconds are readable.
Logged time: 12.06
